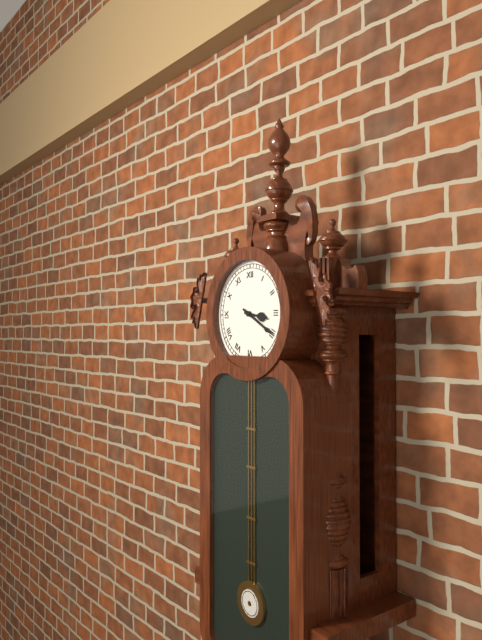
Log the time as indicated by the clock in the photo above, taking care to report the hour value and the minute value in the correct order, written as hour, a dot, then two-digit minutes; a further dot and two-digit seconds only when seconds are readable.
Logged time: 3.20
